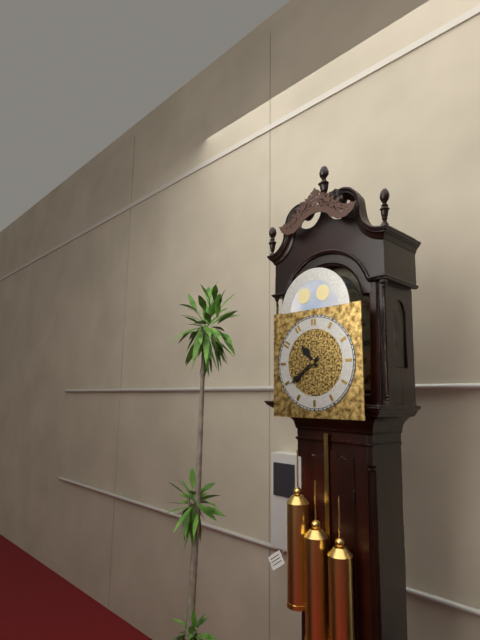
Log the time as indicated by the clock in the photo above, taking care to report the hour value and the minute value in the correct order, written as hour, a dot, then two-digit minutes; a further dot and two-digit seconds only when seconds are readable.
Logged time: 10.39
